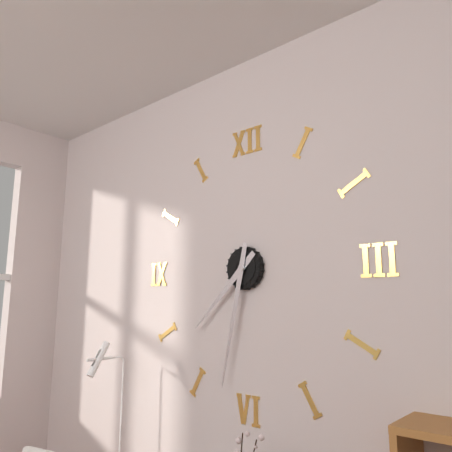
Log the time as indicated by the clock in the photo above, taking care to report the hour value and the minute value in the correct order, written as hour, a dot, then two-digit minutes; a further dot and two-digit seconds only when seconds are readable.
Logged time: 7.32
